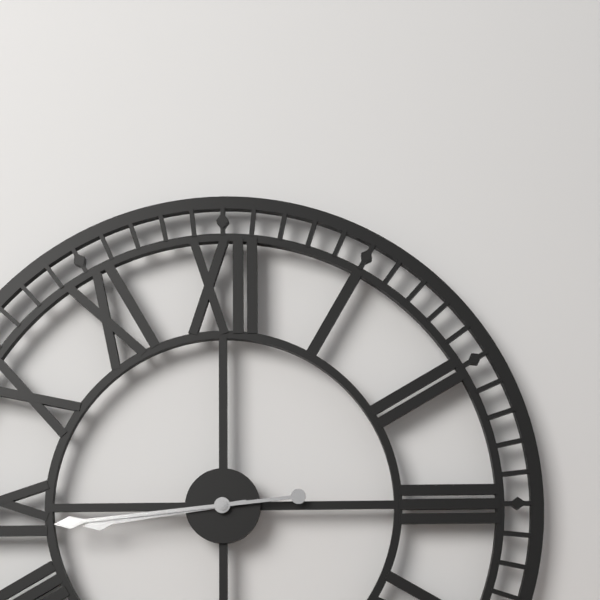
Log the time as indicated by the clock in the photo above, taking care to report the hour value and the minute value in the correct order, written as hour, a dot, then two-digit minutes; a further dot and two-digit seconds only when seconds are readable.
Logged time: 8.44
